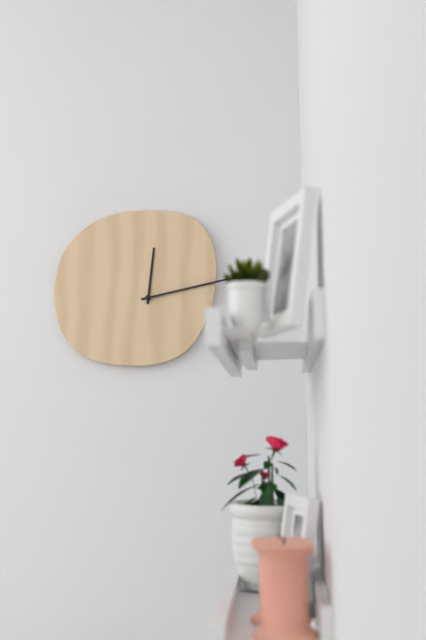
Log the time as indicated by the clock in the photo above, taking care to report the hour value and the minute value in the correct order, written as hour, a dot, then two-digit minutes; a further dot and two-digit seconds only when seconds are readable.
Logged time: 12.13
